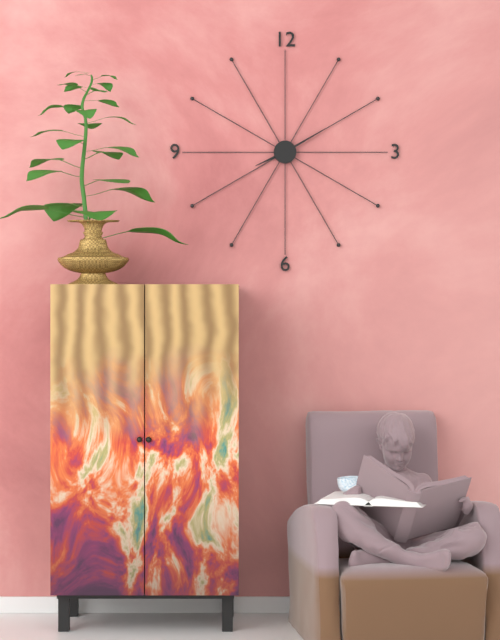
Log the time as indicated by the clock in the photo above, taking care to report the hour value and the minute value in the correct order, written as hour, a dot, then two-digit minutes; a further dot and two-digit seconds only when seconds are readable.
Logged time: 8.10
